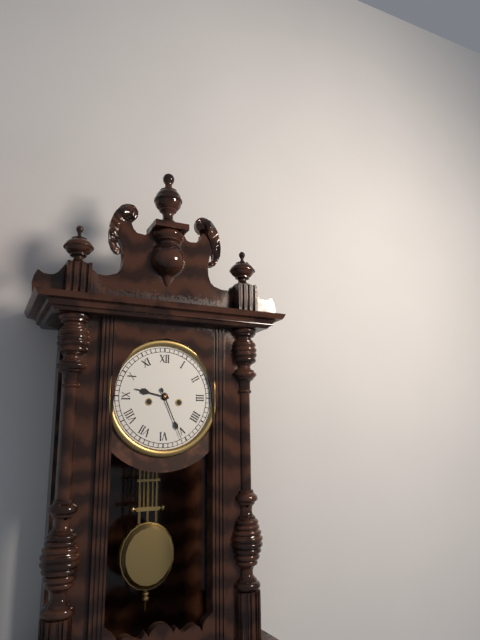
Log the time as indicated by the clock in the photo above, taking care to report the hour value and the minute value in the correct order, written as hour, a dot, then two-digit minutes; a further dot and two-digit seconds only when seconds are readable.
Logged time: 9.26
